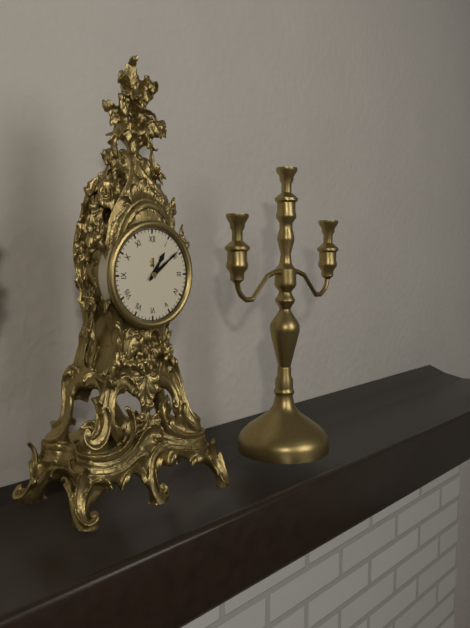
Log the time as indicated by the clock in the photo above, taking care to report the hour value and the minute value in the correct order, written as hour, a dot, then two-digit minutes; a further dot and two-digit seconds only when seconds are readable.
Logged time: 1.09
